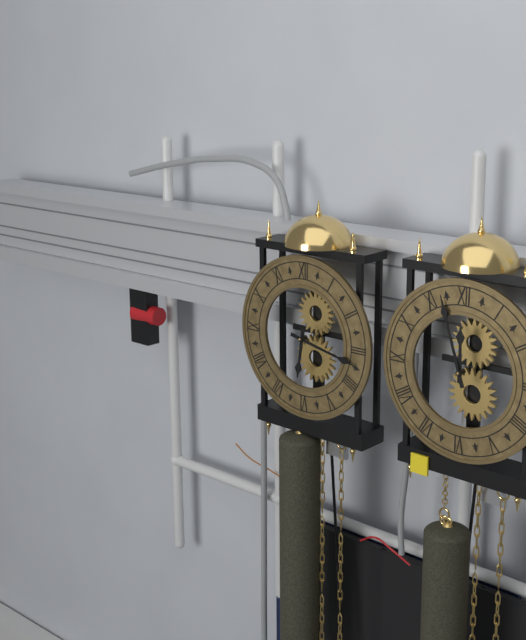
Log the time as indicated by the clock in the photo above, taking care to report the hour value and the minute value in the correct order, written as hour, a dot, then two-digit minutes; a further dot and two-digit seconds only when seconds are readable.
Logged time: 6.17
